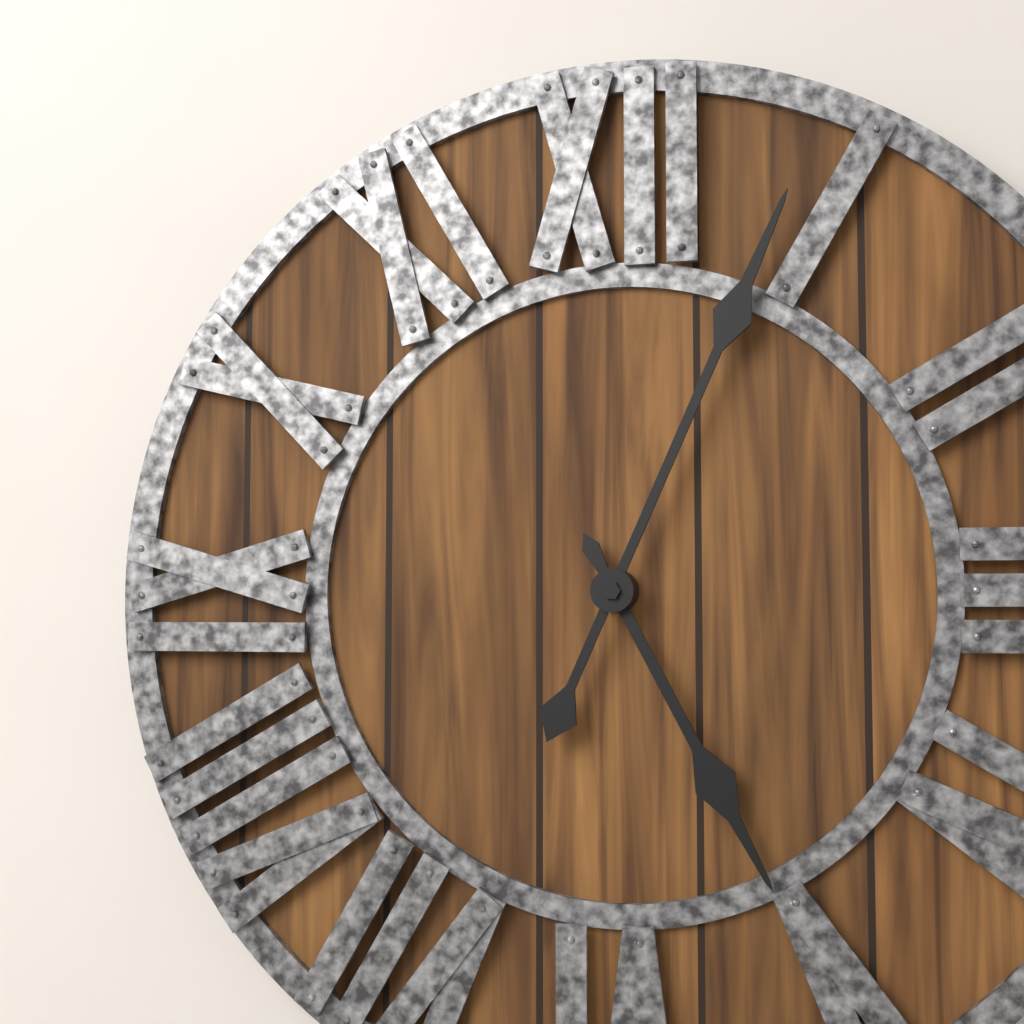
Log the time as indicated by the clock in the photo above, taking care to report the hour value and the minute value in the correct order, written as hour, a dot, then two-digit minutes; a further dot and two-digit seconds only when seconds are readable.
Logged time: 5.04
